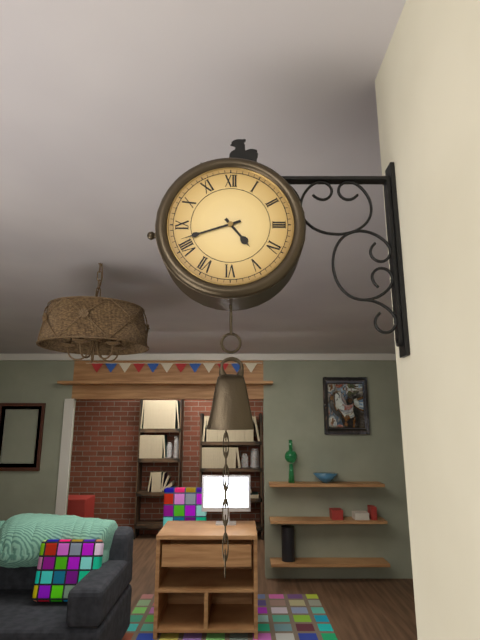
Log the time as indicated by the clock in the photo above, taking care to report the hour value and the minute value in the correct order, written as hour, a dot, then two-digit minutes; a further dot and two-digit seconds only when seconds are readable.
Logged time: 4.42
